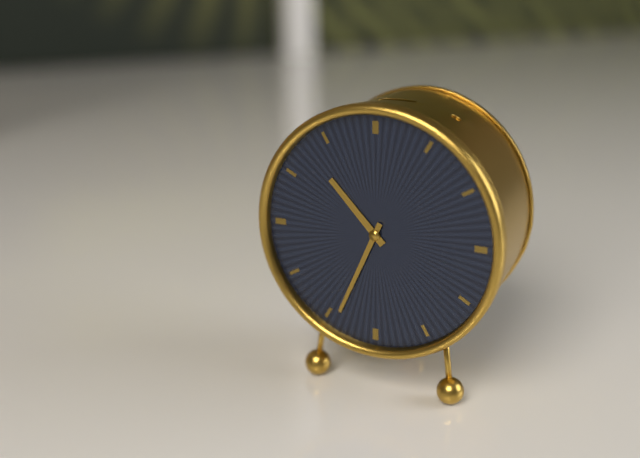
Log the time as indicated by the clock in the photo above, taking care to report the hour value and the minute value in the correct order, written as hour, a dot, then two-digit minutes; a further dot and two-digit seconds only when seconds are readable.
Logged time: 10.34
